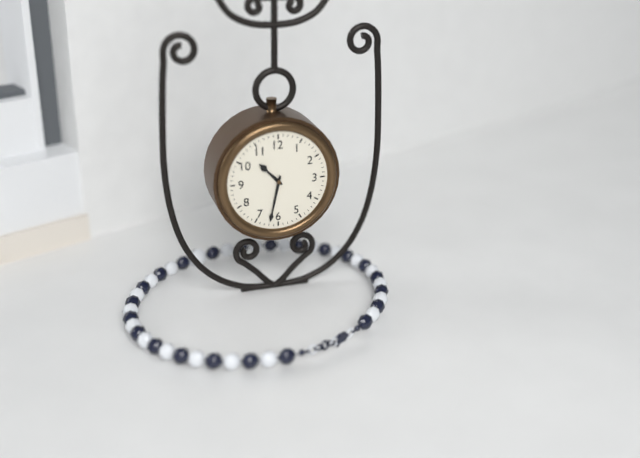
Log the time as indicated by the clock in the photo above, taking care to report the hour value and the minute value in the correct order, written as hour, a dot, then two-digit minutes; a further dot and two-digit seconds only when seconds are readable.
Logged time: 10.32
